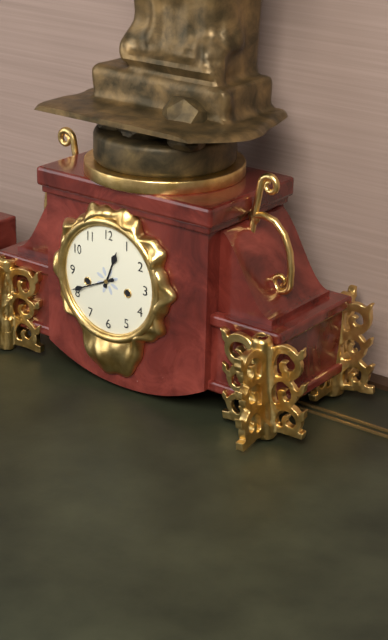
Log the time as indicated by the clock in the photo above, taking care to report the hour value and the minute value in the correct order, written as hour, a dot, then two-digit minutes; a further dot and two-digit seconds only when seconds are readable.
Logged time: 12.41
